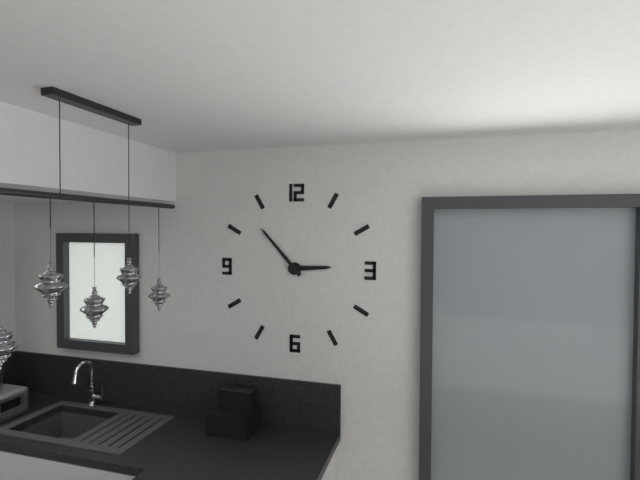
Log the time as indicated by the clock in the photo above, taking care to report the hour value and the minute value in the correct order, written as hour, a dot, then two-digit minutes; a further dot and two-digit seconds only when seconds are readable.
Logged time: 2.53
